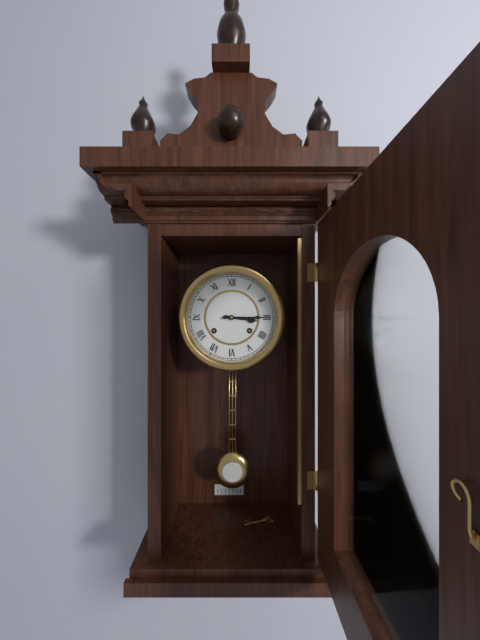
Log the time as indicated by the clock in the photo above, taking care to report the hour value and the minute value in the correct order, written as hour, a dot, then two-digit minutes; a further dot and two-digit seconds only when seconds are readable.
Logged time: 3.15
